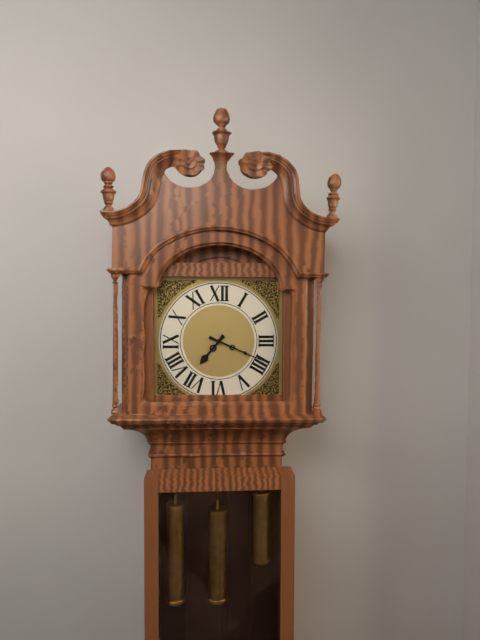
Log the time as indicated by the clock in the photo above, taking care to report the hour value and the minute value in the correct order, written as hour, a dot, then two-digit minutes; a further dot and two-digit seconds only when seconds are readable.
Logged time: 7.19
